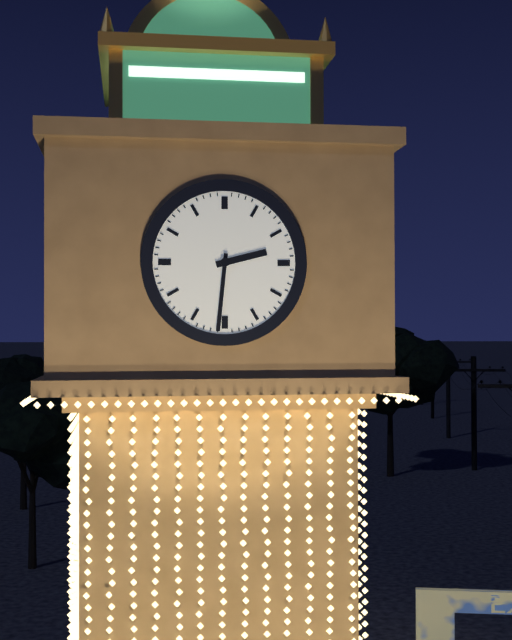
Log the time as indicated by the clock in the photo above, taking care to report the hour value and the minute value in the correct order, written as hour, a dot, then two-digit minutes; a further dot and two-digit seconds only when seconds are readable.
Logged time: 2.31
